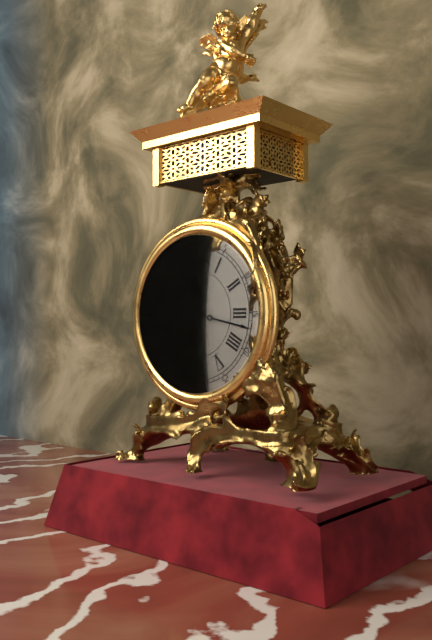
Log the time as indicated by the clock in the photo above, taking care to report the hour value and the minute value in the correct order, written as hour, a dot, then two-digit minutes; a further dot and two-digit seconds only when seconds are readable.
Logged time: 9.17
